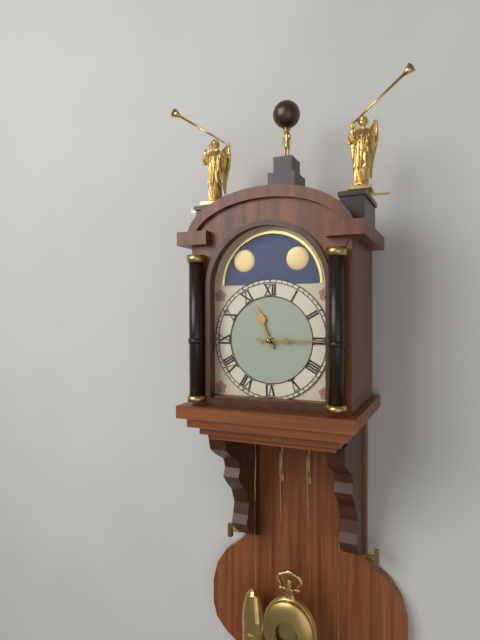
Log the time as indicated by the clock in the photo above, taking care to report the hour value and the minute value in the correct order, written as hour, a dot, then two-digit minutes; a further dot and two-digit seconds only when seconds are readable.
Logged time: 11.15
